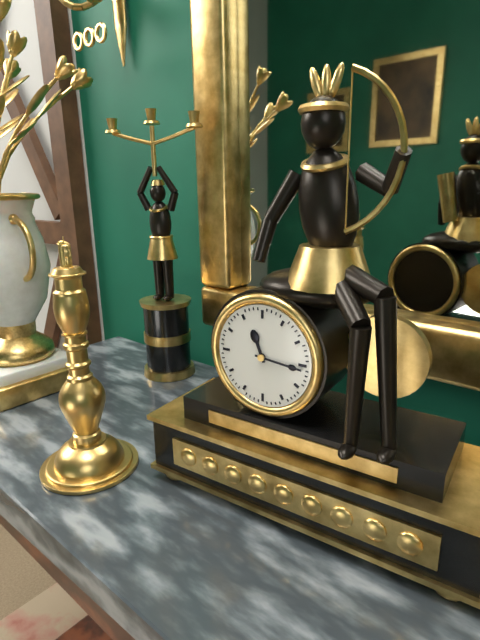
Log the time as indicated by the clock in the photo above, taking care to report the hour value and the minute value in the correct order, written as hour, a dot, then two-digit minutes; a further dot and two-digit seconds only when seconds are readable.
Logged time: 11.16
